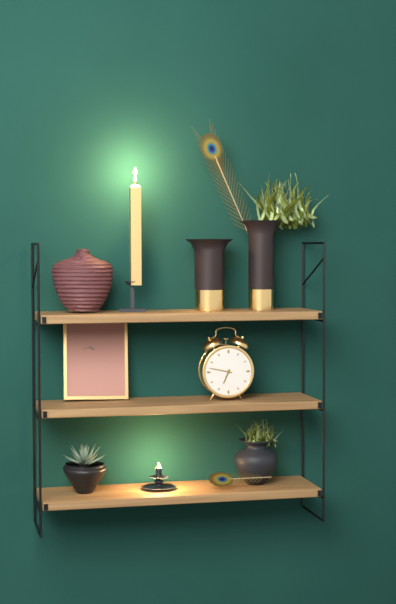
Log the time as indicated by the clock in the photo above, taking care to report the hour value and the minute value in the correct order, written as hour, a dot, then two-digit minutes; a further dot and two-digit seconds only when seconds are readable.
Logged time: 6.47
